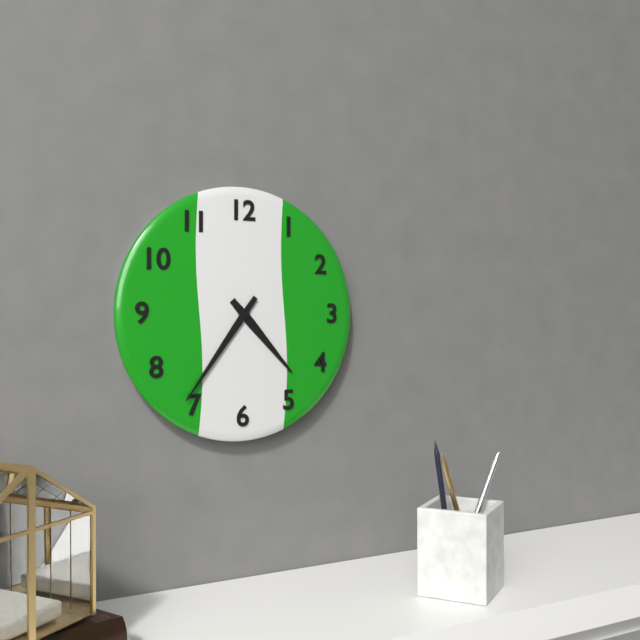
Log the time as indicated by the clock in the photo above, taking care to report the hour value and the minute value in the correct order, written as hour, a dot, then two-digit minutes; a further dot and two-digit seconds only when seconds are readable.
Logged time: 4.36
